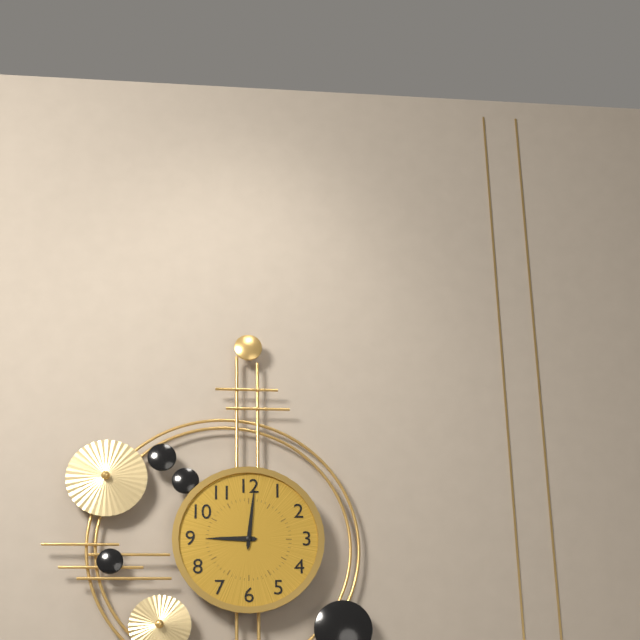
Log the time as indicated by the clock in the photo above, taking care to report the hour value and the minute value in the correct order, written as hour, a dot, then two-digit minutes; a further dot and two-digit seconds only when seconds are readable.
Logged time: 9.01
